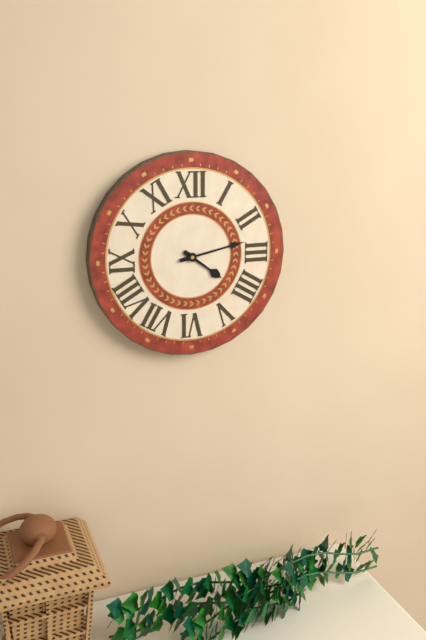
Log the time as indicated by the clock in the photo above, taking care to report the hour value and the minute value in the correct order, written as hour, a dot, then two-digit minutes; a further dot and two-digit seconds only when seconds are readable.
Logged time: 4.13
